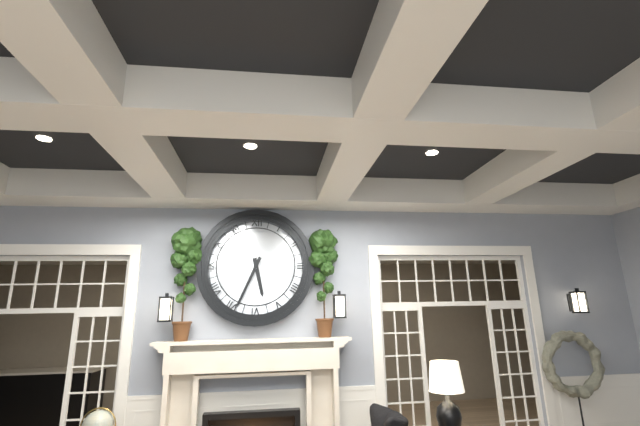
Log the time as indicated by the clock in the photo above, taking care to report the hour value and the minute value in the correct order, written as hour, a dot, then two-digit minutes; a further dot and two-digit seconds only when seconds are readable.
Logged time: 5.34
